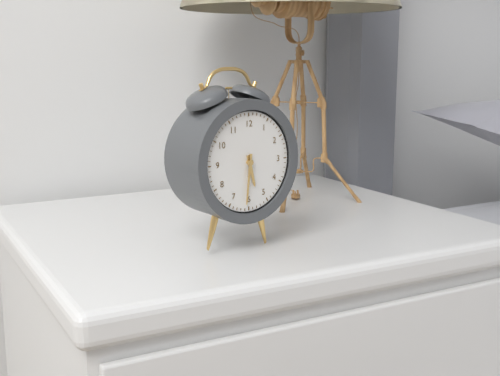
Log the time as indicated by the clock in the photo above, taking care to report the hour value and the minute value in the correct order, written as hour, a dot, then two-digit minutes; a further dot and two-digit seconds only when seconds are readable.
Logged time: 5.31
